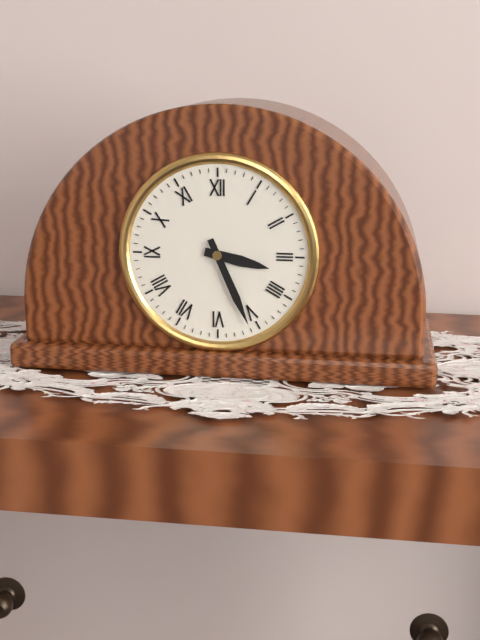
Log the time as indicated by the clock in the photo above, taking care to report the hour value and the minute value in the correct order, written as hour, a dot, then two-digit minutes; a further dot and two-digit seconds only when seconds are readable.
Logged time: 3.26
